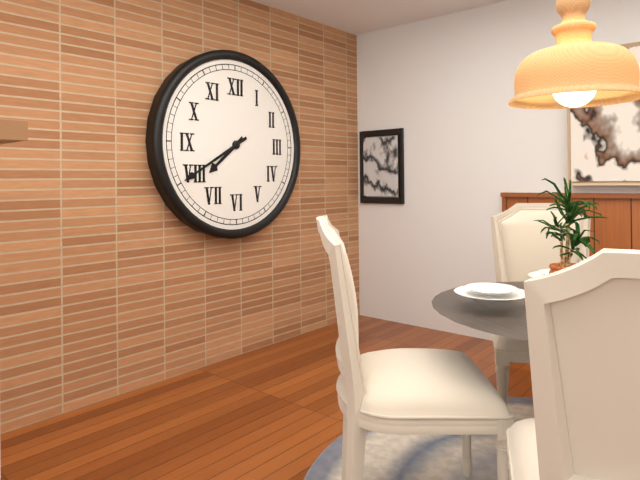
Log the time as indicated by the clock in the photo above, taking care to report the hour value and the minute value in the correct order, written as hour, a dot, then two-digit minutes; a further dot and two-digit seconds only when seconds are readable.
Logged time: 7.40
